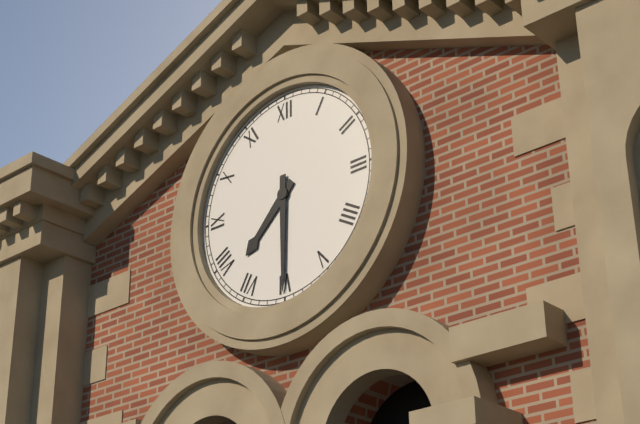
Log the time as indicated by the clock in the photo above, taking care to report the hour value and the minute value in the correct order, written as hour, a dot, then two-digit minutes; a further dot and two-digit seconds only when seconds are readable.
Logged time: 7.30
